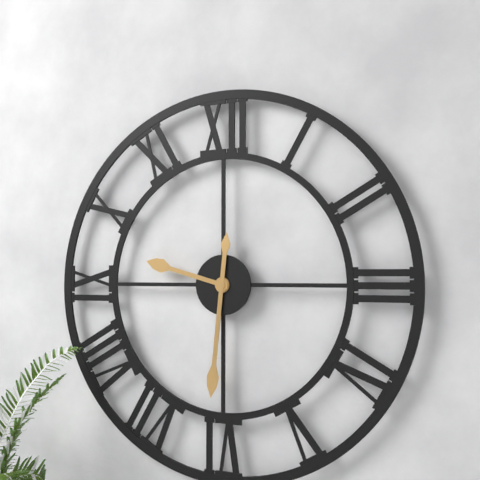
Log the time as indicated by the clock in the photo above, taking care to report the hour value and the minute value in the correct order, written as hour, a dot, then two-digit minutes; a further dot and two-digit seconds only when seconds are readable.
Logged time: 9.31
